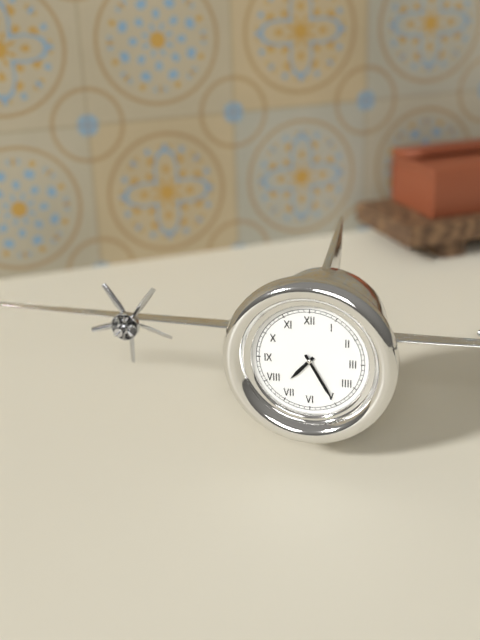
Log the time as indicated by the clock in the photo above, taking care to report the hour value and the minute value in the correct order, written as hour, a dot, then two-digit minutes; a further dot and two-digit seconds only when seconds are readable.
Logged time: 7.25
